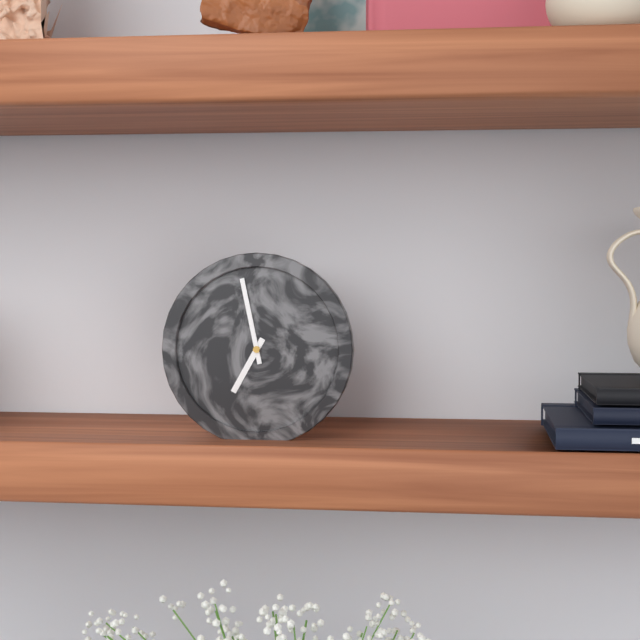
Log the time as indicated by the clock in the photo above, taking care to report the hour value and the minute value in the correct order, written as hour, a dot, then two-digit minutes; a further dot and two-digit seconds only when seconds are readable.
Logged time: 6.58
